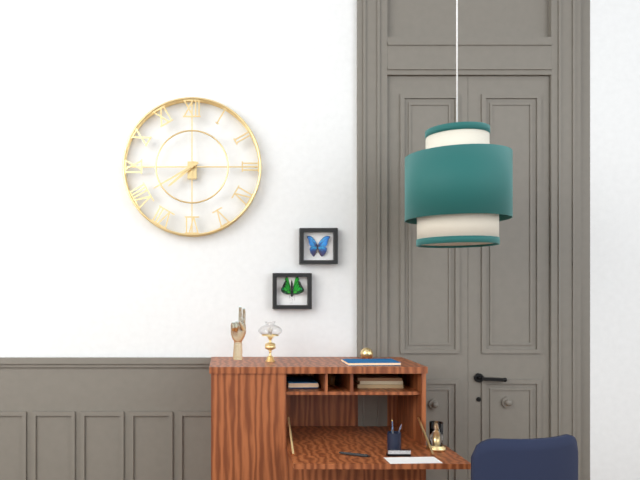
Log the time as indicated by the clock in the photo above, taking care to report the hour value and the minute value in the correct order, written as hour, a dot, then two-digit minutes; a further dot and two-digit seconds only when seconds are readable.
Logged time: 7.40
